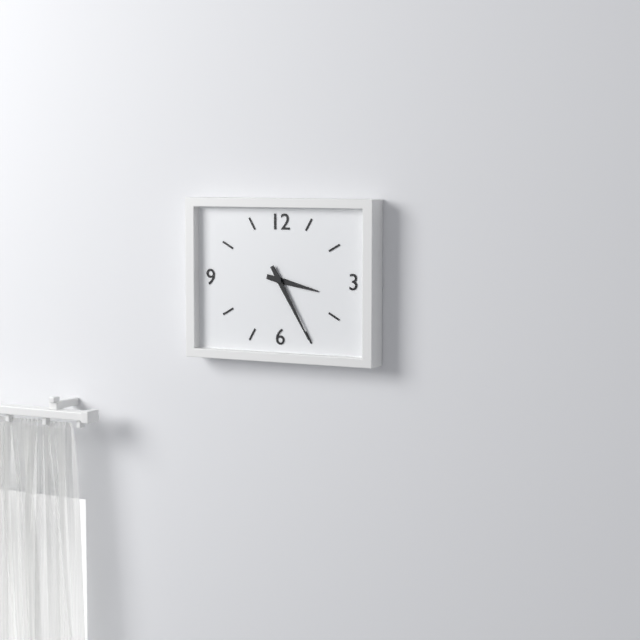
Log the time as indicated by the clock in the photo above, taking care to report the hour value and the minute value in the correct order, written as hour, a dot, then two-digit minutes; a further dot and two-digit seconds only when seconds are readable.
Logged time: 3.25
